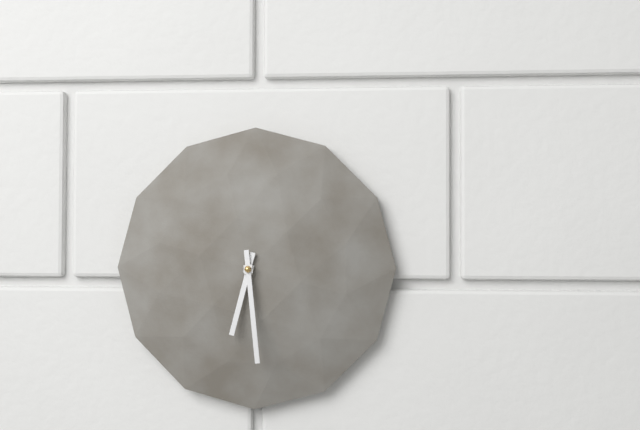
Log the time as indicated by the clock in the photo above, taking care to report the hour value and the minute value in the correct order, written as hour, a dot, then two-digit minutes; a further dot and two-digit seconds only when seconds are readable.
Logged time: 6.29
